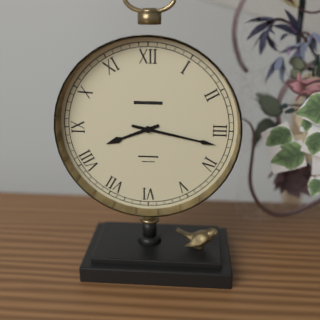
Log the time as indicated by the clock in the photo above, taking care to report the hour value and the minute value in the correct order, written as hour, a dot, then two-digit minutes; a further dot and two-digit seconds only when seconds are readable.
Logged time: 8.17
